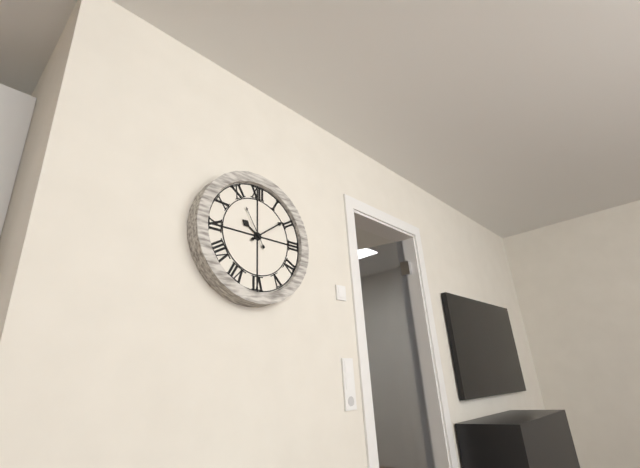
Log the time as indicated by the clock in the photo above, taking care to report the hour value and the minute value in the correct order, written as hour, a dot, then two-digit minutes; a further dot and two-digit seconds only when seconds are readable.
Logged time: 10.09
